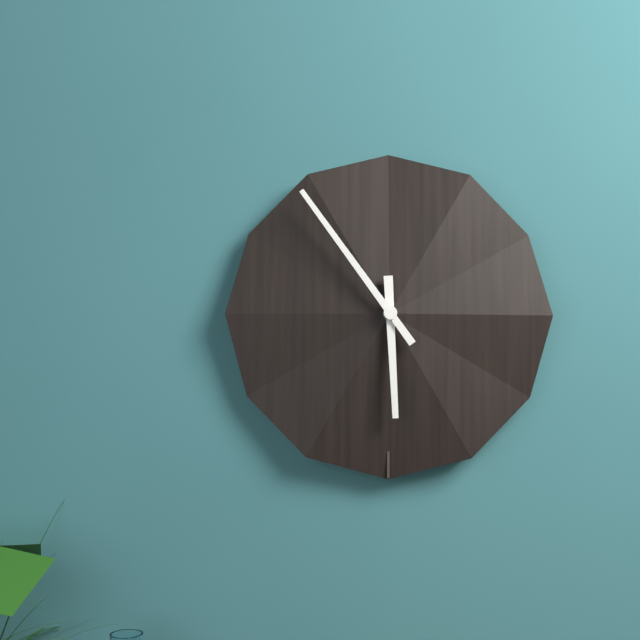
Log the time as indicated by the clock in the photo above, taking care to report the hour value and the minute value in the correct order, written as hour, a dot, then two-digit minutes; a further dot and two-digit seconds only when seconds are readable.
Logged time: 5.54
